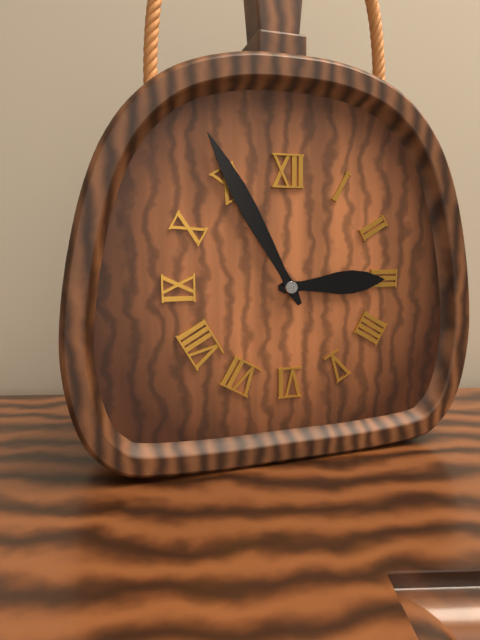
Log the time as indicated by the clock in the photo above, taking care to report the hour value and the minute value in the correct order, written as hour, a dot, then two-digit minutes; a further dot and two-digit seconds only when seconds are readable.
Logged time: 2.55
